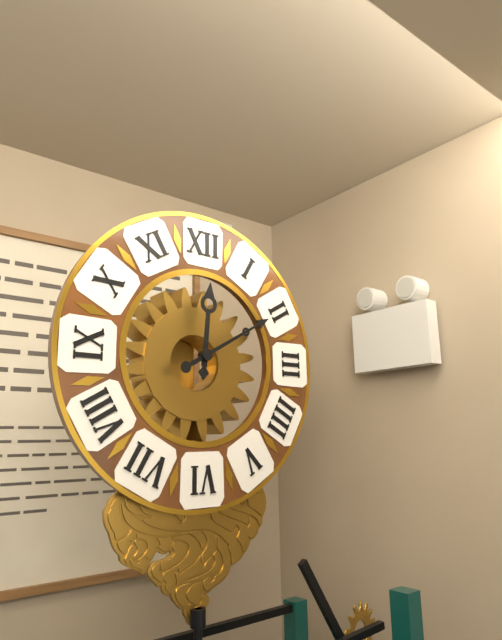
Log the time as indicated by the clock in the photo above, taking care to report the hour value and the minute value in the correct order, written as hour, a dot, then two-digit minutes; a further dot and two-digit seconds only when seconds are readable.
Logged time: 12.10
